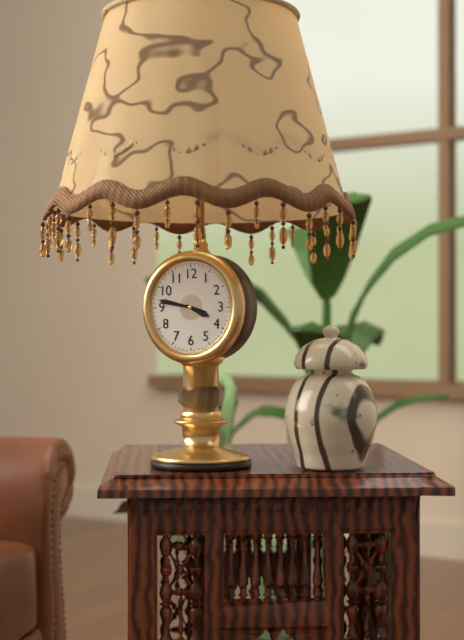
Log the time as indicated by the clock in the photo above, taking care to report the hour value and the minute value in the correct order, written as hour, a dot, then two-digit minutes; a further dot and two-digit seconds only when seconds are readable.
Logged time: 3.47
